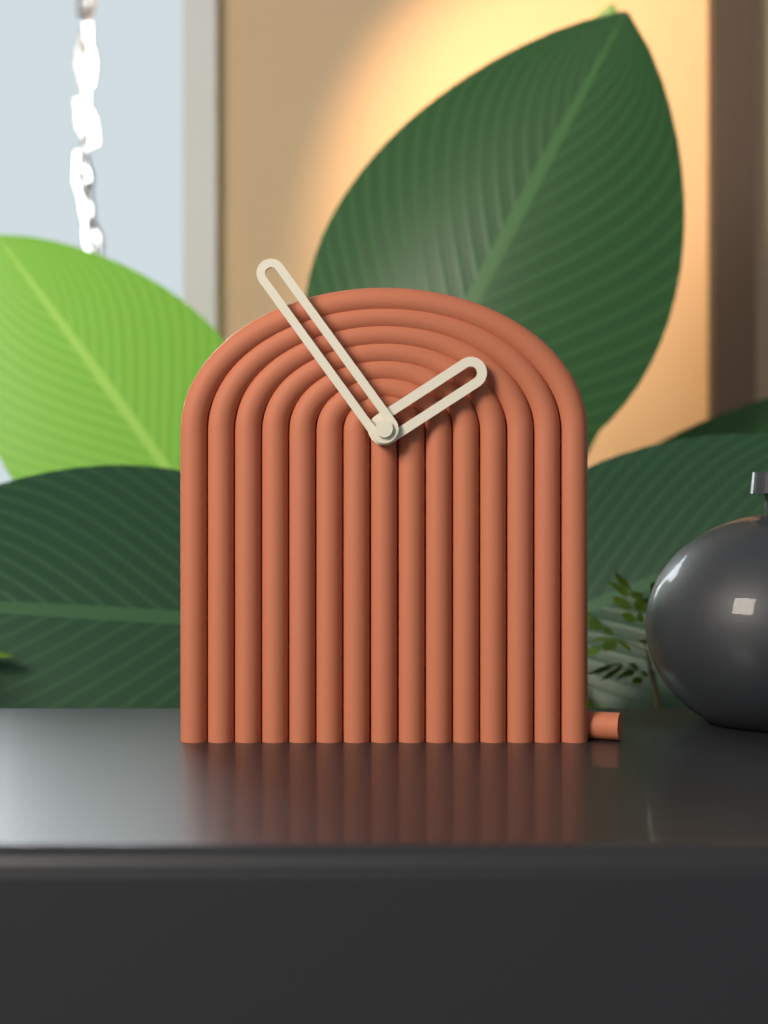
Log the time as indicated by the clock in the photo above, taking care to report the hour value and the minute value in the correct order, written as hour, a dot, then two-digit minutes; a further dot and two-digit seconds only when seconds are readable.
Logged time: 1.54
